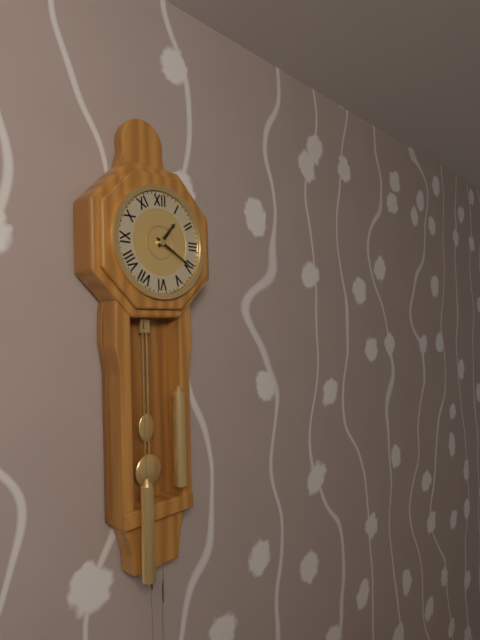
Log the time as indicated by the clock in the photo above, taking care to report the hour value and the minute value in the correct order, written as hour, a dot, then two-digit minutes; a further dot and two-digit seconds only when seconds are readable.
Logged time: 1.20
